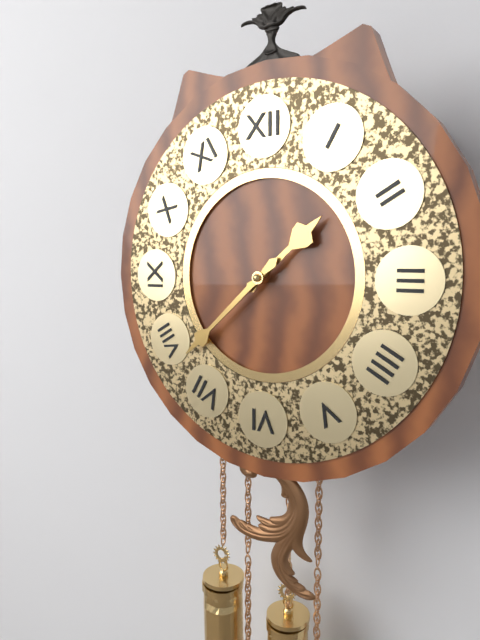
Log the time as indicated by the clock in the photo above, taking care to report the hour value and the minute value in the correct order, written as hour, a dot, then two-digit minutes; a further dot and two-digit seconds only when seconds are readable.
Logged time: 1.38
